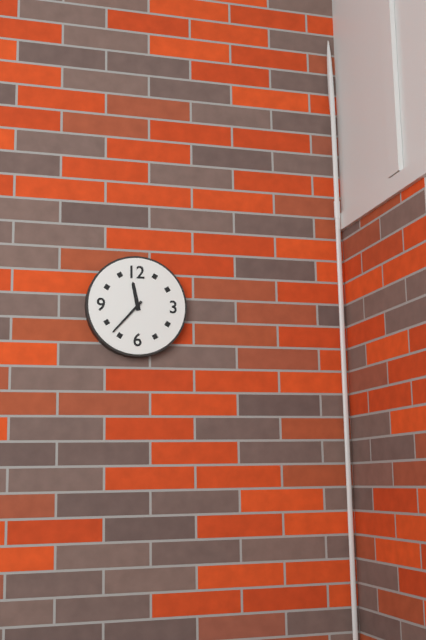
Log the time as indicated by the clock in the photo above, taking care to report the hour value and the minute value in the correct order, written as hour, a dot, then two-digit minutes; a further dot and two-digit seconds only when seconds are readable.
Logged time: 11.37
